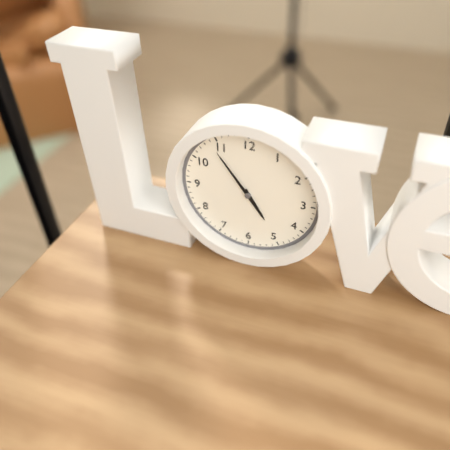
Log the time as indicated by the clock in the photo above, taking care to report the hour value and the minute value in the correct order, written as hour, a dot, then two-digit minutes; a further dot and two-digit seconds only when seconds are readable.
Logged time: 4.54
